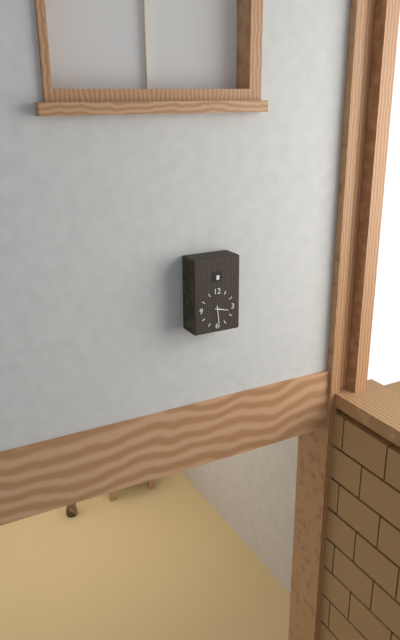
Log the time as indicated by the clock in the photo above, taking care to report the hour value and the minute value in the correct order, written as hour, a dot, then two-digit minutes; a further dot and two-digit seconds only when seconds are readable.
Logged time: 3.29
